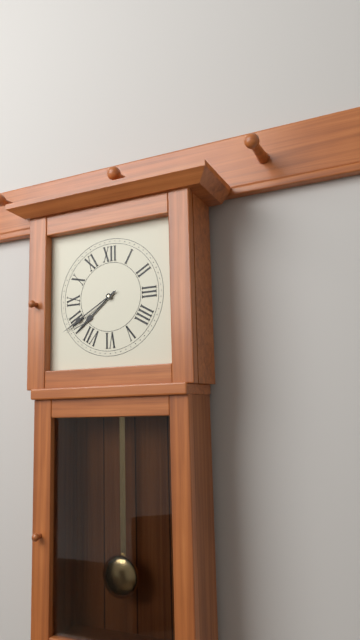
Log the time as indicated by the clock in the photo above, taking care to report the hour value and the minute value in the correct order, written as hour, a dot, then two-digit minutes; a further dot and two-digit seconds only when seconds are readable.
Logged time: 7.40
